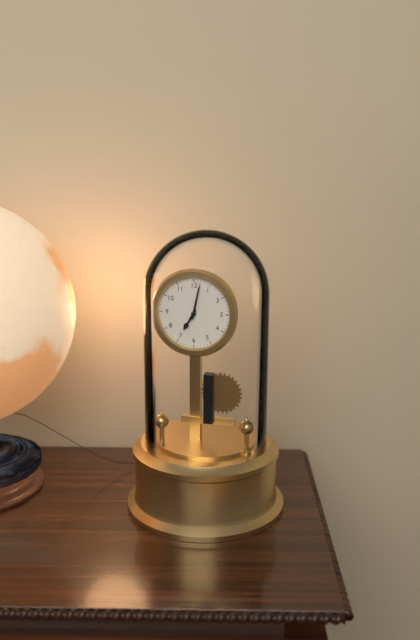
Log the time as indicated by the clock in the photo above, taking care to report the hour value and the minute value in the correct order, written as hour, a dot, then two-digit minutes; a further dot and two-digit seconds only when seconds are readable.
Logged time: 7.02
